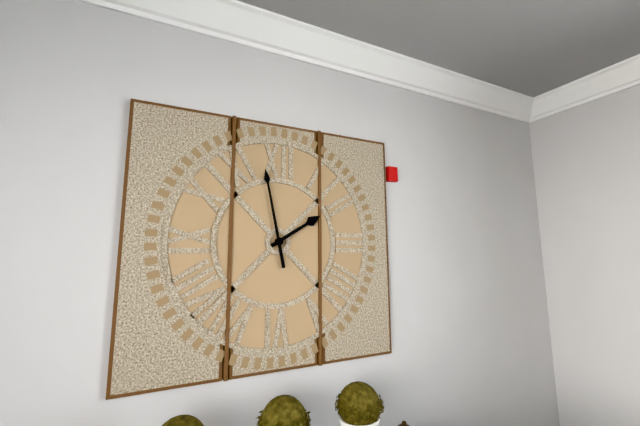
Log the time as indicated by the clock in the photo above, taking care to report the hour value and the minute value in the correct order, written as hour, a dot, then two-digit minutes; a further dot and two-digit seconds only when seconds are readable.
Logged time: 1.58
